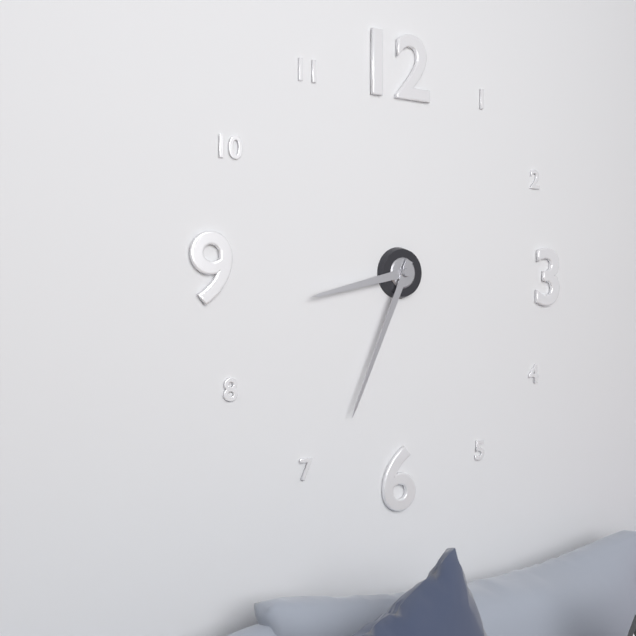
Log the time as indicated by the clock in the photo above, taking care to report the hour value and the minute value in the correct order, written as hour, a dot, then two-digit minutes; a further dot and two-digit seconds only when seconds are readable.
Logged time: 8.34
